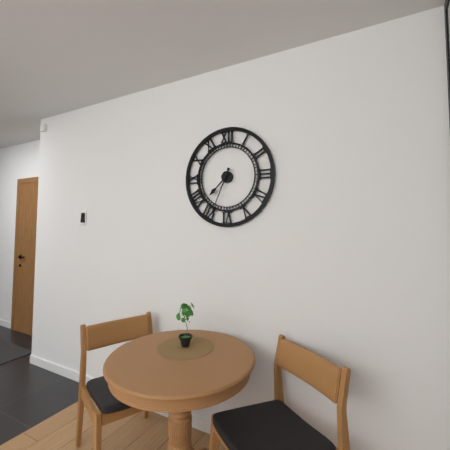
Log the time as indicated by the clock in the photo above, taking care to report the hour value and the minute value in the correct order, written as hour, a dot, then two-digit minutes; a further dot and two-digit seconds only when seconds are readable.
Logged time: 7.34
